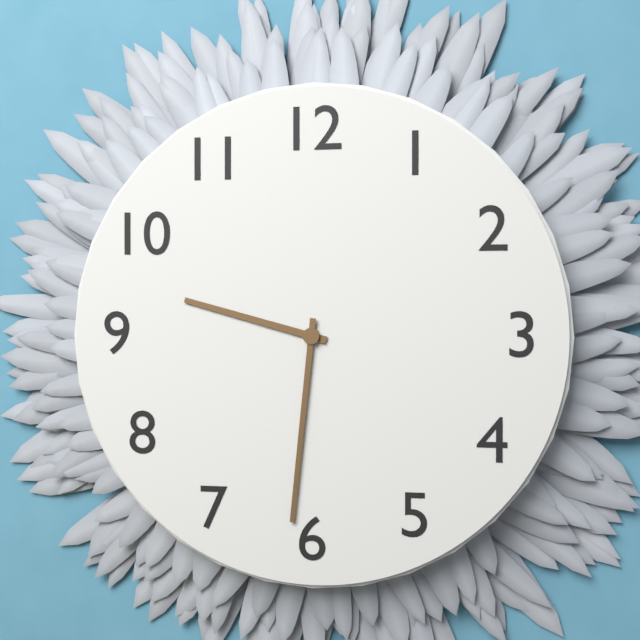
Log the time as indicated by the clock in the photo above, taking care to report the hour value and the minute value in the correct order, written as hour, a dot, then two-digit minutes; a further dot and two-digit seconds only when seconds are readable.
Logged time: 9.31
